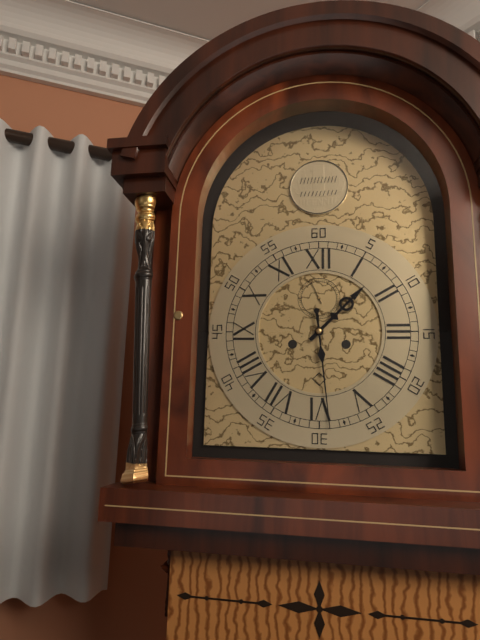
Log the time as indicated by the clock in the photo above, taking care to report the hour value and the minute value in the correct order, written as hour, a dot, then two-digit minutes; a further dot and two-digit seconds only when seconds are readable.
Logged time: 1.29
